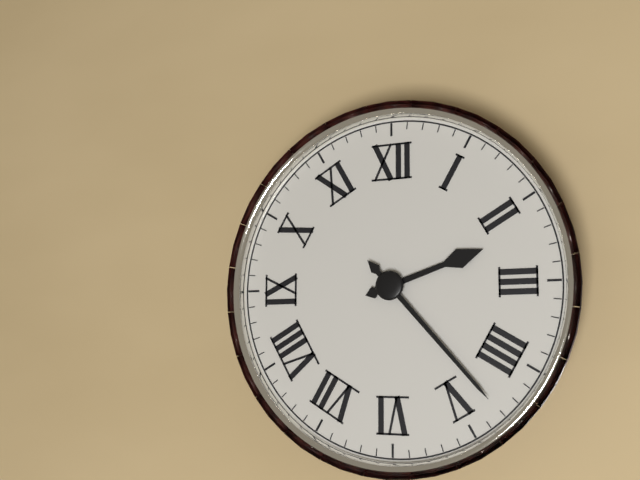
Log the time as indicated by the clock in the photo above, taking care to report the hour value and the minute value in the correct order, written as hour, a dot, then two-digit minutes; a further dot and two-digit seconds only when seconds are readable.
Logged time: 2.23
